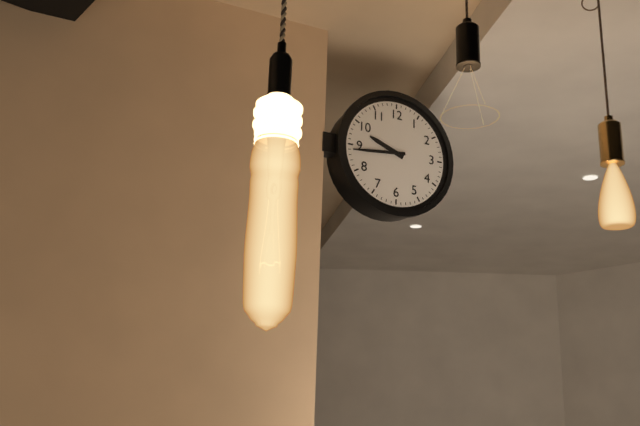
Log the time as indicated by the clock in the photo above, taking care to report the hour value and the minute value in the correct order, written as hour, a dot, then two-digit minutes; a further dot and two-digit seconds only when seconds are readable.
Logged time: 9.44
